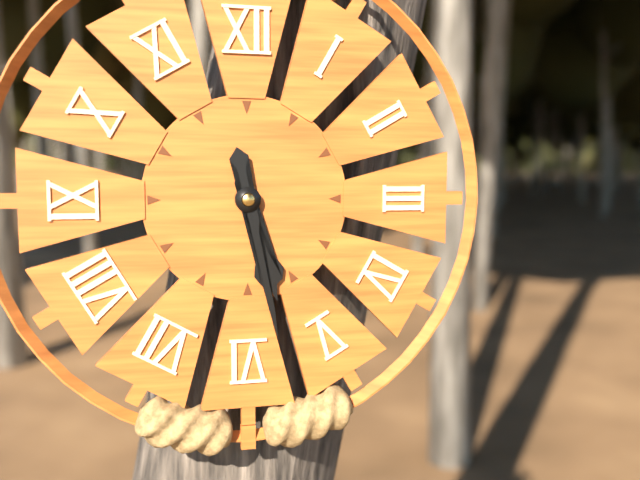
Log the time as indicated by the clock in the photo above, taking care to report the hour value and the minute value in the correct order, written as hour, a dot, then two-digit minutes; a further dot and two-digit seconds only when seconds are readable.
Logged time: 5.28
